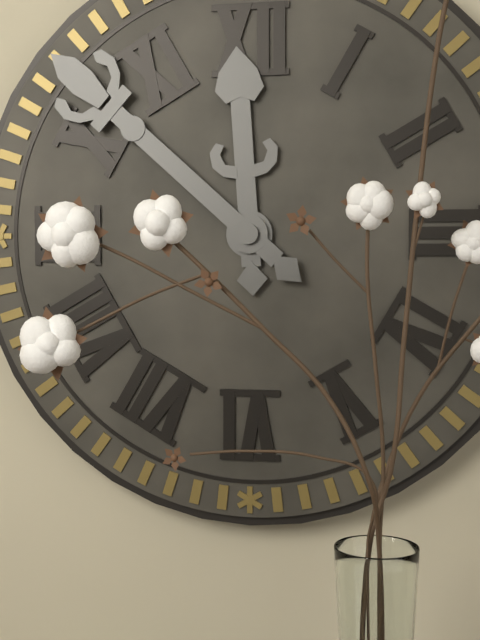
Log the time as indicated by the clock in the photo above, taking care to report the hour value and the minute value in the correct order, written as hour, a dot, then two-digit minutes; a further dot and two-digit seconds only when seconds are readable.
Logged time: 11.52
